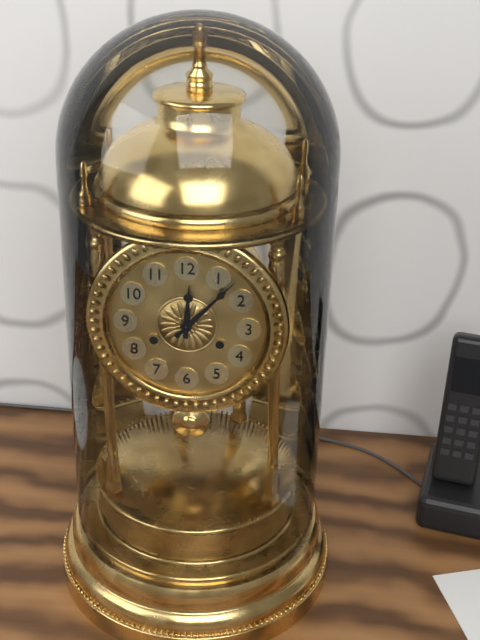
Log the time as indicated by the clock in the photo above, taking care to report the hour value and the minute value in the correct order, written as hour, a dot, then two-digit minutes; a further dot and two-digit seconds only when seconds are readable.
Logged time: 12.07
